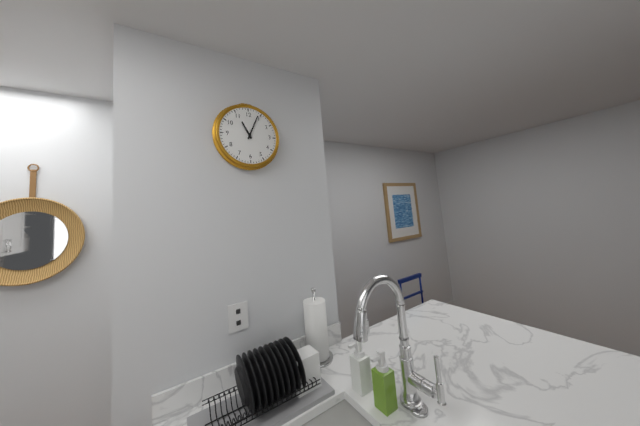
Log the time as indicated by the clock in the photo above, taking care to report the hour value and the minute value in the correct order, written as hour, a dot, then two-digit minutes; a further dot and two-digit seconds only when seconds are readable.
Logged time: 11.04
